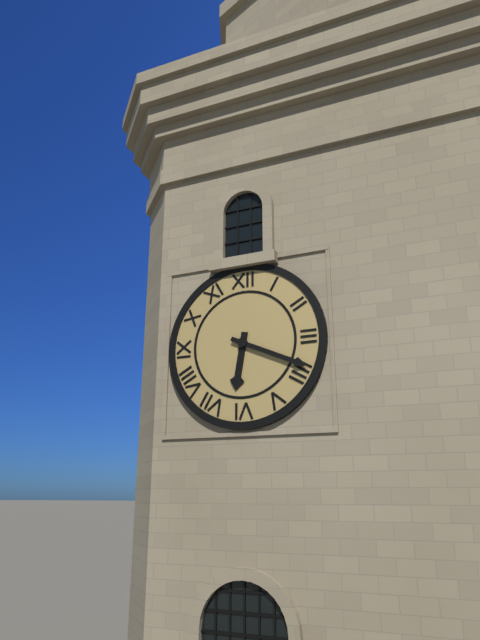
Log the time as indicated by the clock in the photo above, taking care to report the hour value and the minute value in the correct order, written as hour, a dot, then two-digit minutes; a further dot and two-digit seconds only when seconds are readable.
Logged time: 6.19
